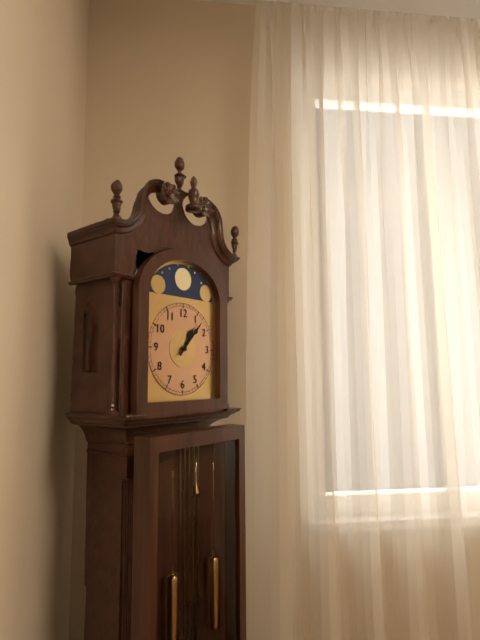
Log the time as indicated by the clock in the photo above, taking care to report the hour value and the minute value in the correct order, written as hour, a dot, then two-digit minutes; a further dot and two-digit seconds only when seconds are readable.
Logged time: 1.07
